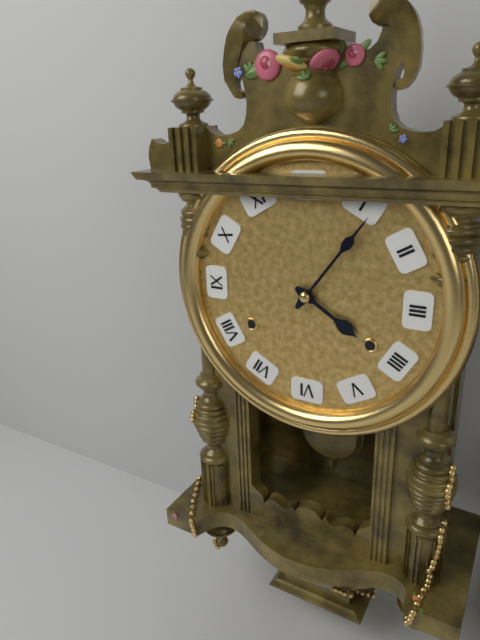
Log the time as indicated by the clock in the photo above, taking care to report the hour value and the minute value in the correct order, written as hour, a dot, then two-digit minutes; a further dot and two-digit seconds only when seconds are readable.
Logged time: 4.06
